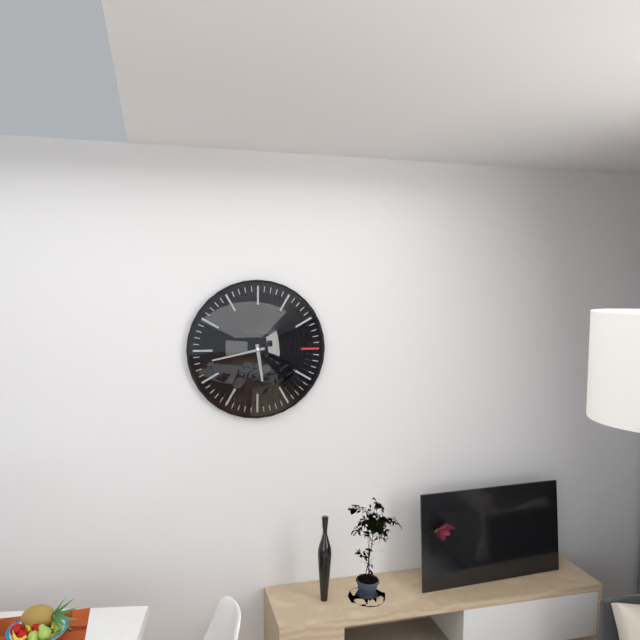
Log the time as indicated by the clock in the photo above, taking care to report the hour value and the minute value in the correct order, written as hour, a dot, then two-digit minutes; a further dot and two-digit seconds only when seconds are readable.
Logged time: 5.43
